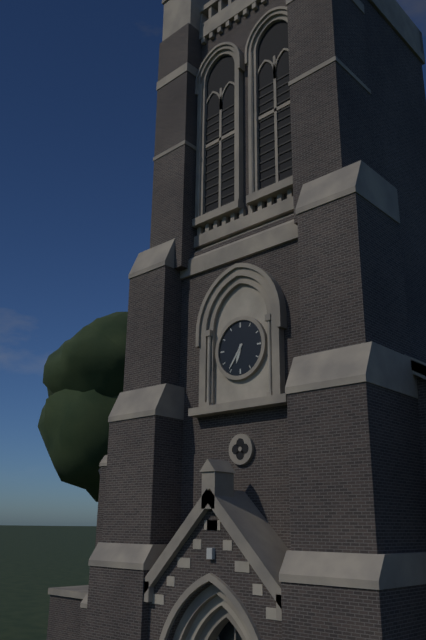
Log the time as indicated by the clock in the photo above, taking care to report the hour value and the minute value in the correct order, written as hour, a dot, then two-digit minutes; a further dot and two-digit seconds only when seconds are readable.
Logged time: 6.36
